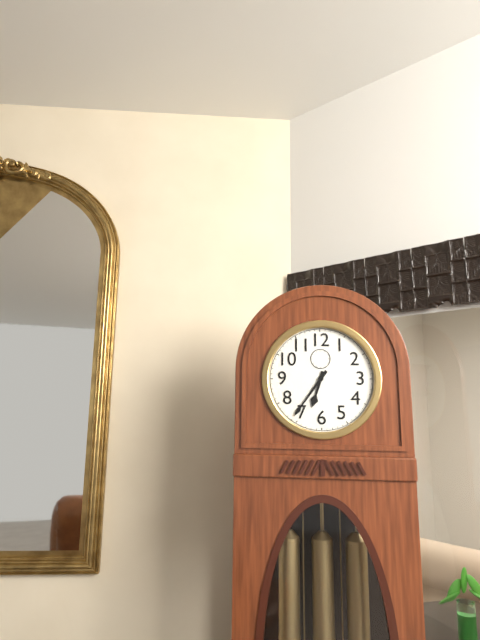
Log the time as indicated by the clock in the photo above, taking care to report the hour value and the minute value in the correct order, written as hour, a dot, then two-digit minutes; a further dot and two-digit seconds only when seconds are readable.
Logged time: 6.36
